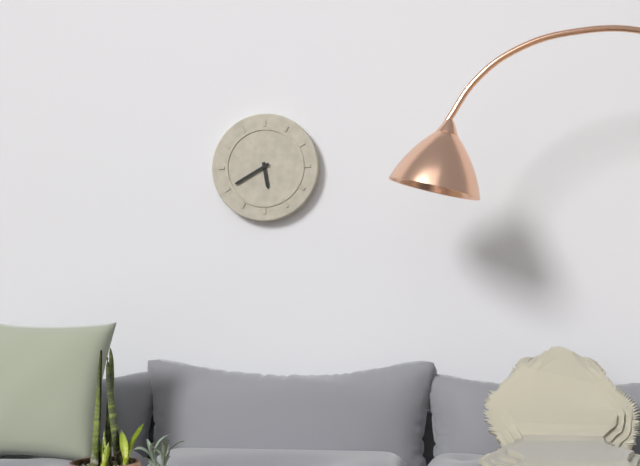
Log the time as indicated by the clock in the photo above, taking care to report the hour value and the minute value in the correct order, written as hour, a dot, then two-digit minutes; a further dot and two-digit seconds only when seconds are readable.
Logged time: 5.40
